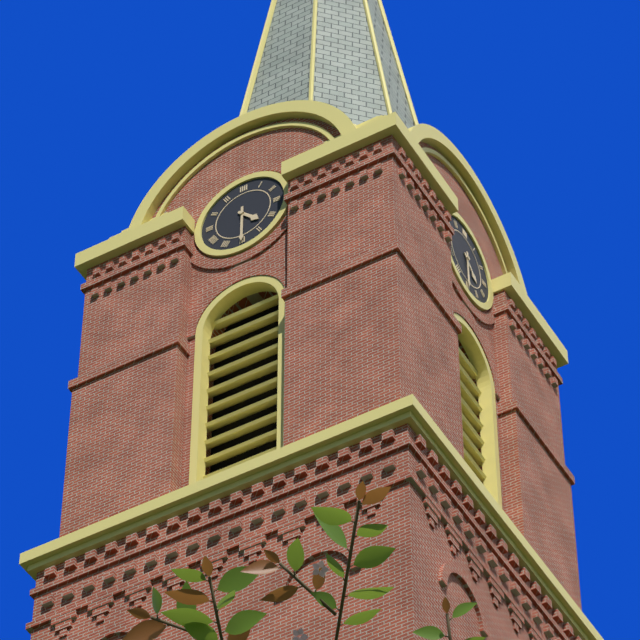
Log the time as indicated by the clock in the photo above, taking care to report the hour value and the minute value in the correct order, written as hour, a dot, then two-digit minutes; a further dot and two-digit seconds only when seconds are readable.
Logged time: 4.30
